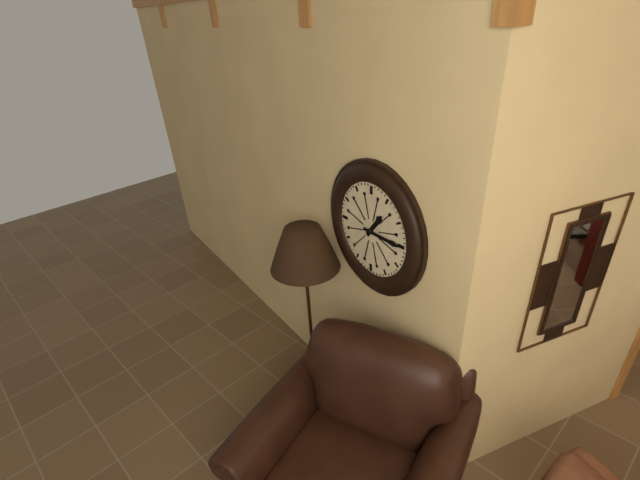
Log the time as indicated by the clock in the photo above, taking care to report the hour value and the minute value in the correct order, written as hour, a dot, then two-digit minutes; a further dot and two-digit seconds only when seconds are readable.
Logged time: 1.15
